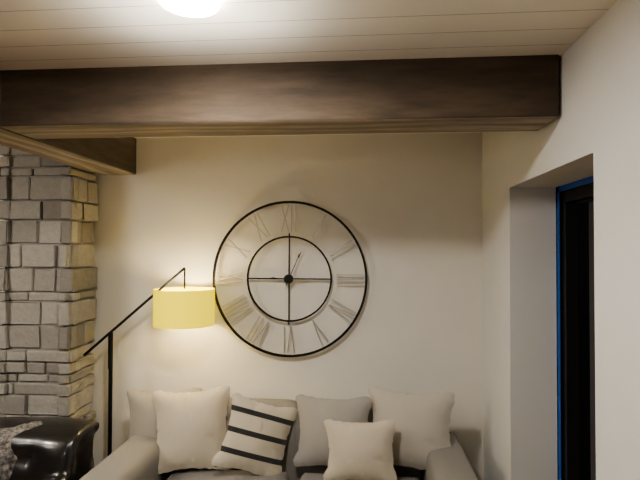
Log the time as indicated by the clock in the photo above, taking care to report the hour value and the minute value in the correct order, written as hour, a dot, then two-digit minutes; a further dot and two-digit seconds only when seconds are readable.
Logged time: 9.04
